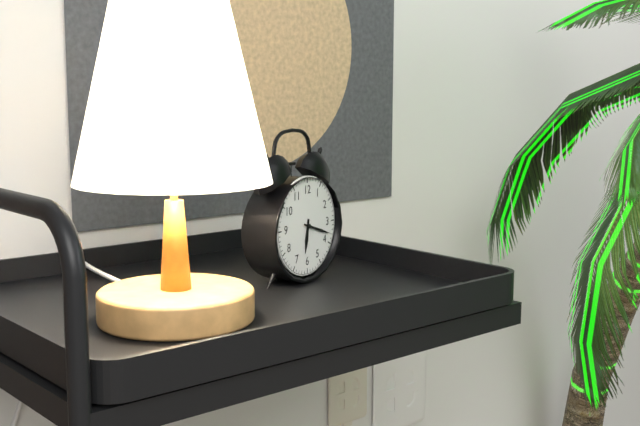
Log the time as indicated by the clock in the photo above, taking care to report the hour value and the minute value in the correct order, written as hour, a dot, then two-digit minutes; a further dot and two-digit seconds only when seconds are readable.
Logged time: 6.18
